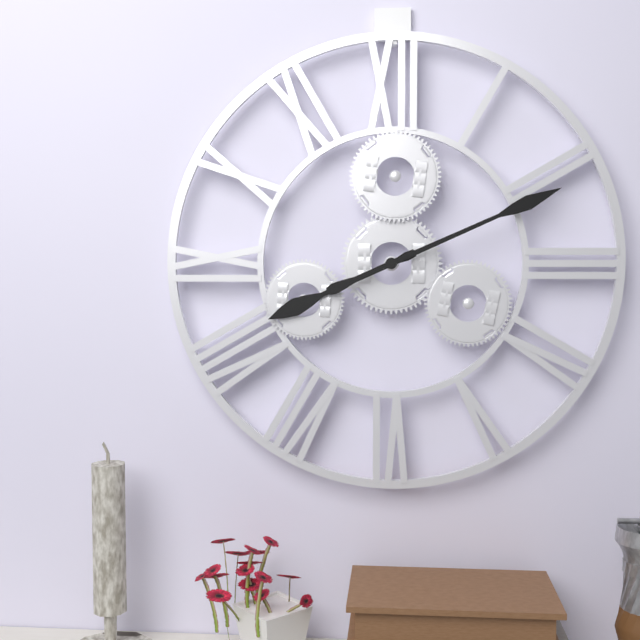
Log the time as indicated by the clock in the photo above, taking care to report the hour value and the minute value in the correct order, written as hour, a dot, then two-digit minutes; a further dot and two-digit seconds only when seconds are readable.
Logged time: 8.11
